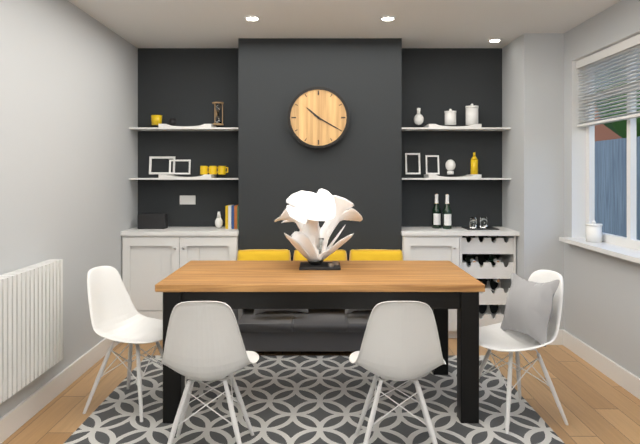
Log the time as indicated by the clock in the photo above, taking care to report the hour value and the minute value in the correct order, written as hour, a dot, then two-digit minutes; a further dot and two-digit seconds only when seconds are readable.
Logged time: 10.20
